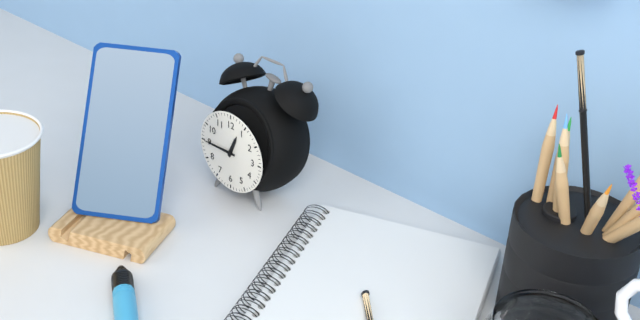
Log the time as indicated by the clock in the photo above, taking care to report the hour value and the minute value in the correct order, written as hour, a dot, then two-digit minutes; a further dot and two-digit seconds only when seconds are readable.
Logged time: 12.45
